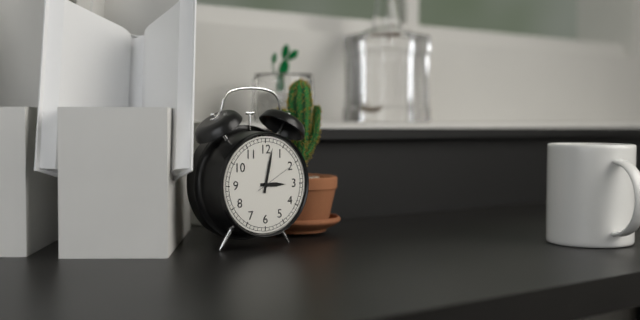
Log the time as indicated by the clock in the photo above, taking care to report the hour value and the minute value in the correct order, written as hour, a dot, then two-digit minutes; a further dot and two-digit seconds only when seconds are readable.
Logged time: 3.02
